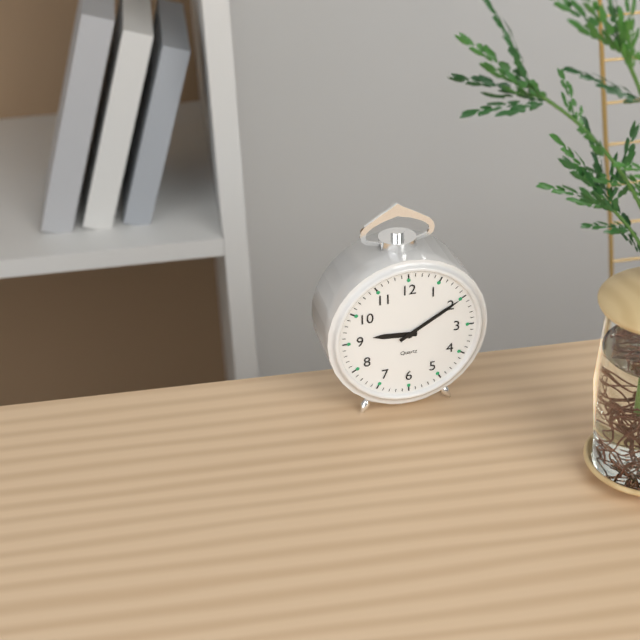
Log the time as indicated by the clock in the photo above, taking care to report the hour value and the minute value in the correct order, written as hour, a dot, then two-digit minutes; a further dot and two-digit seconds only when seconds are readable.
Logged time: 9.10
